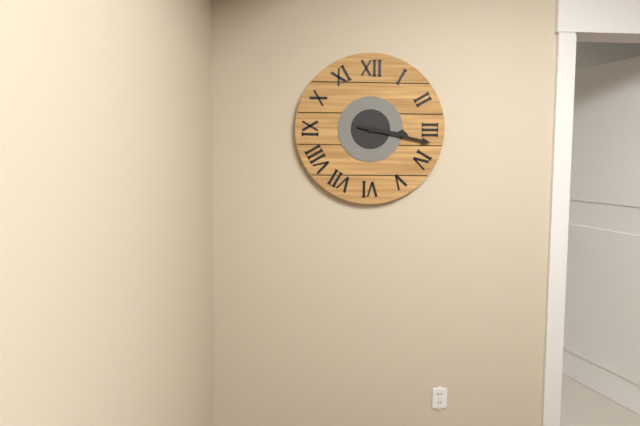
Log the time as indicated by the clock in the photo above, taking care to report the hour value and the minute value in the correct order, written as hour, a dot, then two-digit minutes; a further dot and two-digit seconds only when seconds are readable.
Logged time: 3.17
